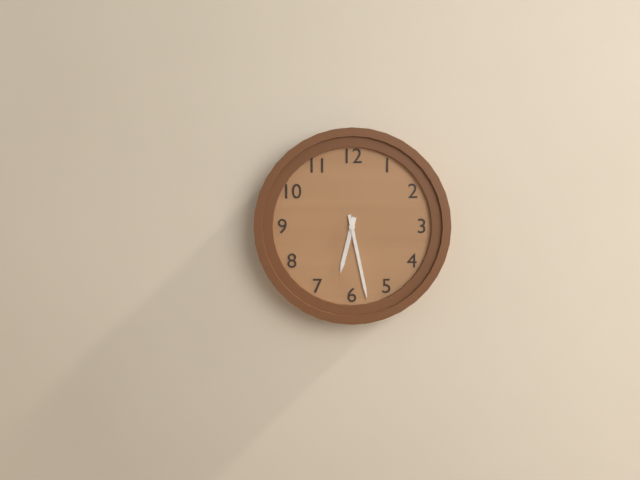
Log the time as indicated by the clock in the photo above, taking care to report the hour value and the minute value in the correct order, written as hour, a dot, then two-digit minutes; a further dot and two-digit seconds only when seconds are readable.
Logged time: 6.28
